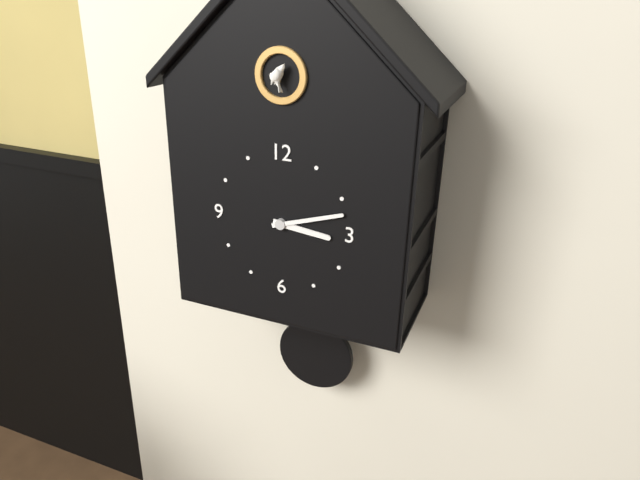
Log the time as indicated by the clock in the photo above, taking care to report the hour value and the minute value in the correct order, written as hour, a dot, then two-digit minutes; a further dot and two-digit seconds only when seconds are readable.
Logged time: 3.12
